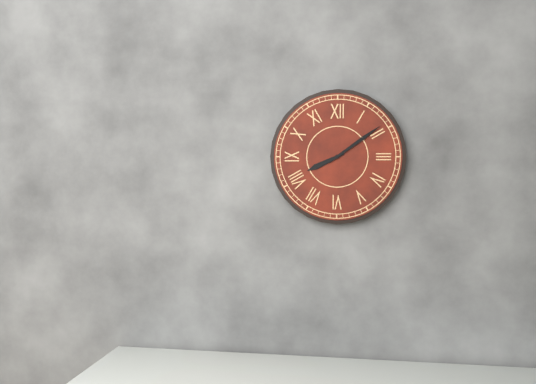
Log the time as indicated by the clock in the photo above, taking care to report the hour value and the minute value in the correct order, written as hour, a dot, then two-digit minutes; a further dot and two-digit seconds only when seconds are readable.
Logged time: 8.09
